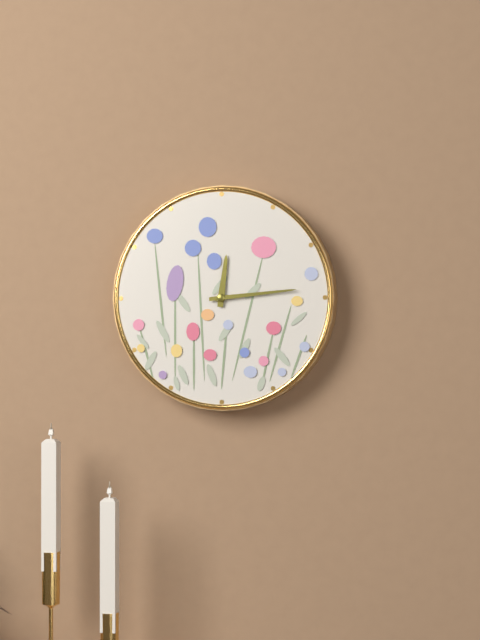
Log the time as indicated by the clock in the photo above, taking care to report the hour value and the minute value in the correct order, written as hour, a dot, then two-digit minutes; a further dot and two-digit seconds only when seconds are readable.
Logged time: 12.14
